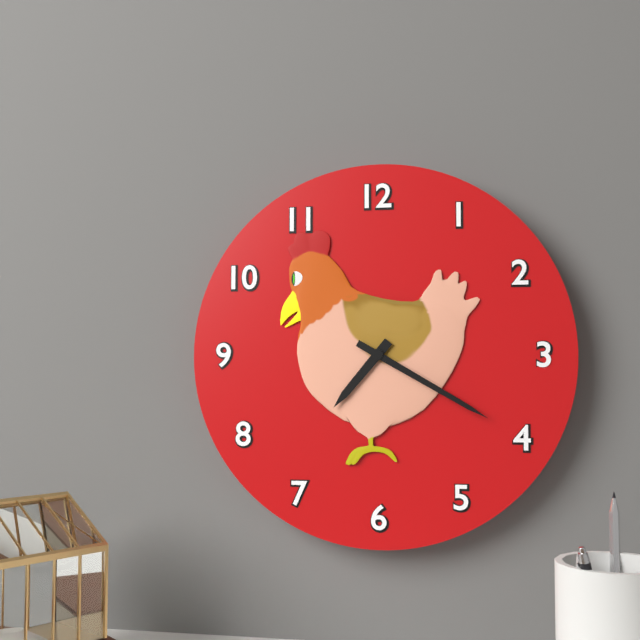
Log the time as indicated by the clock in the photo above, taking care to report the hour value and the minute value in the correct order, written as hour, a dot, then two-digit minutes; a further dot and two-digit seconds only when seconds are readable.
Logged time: 7.20
